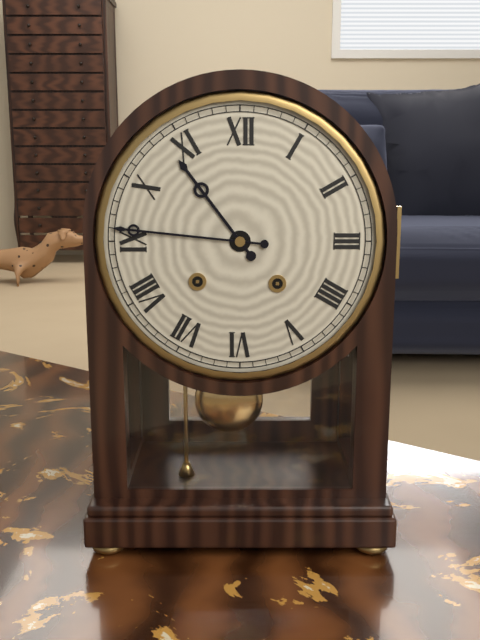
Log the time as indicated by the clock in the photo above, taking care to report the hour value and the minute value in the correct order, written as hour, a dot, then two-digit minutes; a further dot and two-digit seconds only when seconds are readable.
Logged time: 10.46
